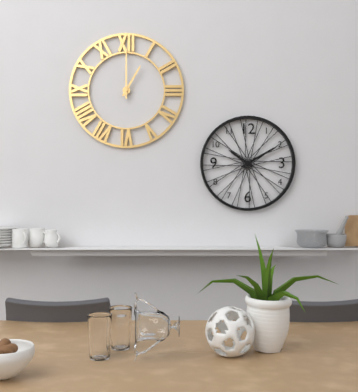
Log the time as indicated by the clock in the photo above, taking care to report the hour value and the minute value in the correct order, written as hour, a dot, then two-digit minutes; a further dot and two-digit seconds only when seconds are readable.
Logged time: 1.00
